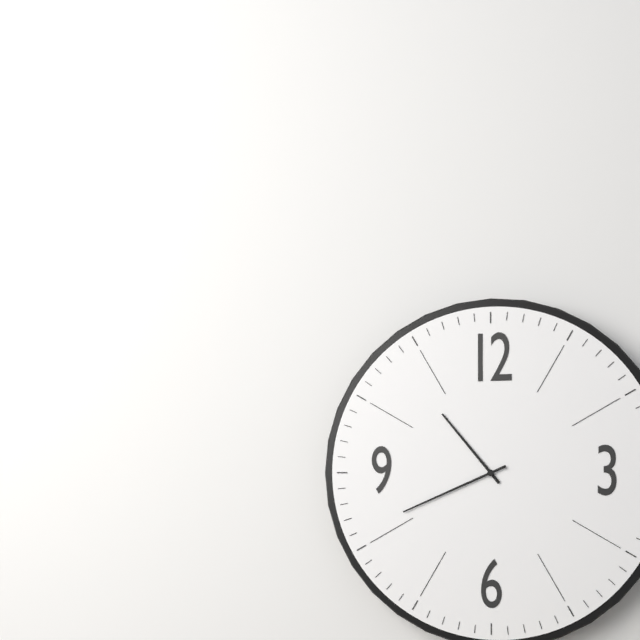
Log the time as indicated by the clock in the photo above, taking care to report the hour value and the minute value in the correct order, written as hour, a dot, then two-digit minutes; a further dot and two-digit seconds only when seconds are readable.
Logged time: 10.41
